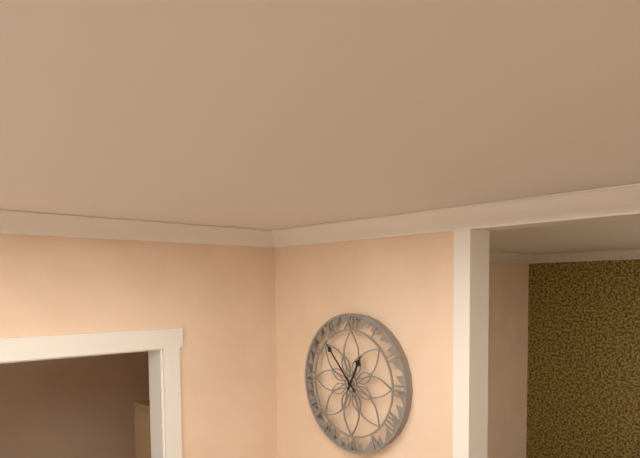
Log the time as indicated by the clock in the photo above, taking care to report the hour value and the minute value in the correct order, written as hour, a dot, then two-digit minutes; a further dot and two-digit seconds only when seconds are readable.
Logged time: 12.53
